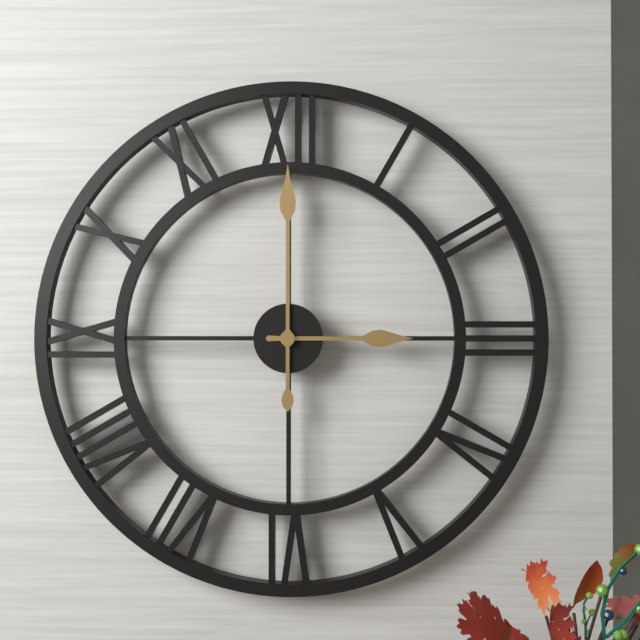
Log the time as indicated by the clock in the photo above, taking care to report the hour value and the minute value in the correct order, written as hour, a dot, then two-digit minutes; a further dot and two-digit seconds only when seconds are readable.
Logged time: 3.00
